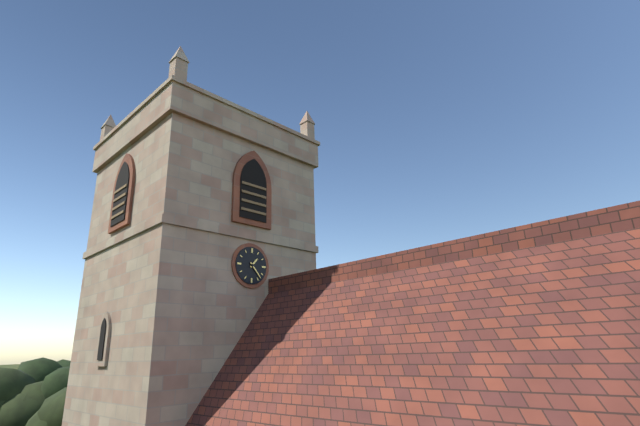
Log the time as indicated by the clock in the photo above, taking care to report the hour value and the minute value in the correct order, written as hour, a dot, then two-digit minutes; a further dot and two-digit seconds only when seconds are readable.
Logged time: 1.23
